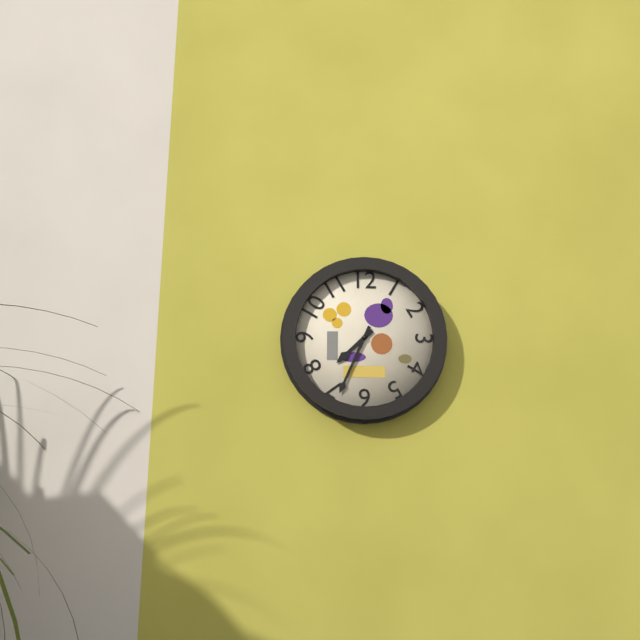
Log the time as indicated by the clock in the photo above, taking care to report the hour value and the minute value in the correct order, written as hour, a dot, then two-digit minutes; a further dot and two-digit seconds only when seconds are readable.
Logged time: 7.34
